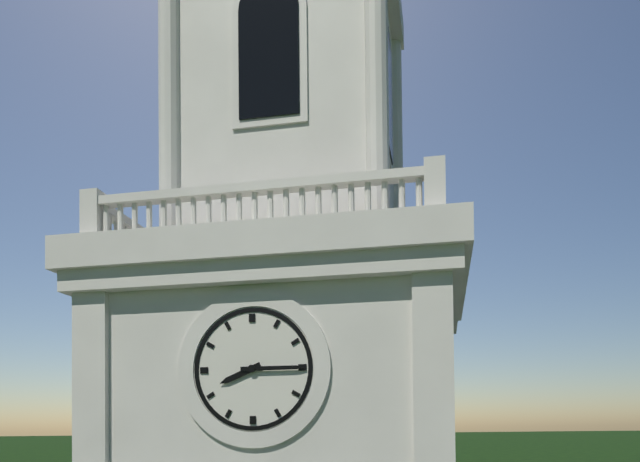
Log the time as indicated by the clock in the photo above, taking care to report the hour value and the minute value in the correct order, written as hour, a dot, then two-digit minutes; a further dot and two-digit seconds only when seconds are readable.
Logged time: 8.15
